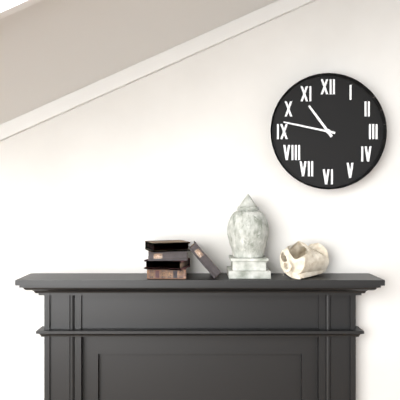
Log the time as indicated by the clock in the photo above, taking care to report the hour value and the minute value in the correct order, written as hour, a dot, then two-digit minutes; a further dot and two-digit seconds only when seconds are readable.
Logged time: 10.47
